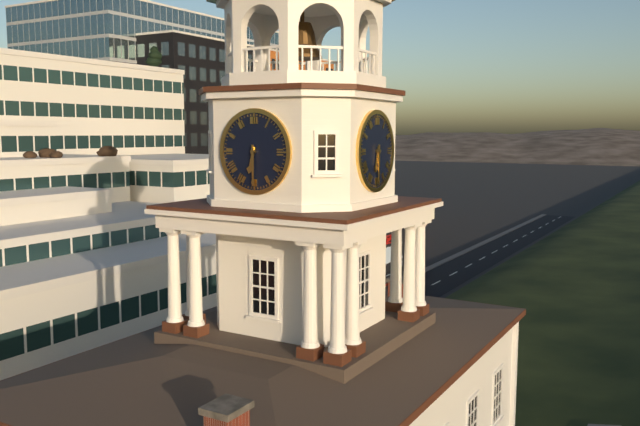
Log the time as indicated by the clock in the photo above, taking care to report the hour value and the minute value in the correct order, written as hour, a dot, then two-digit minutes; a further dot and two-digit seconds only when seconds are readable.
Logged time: 6.30
